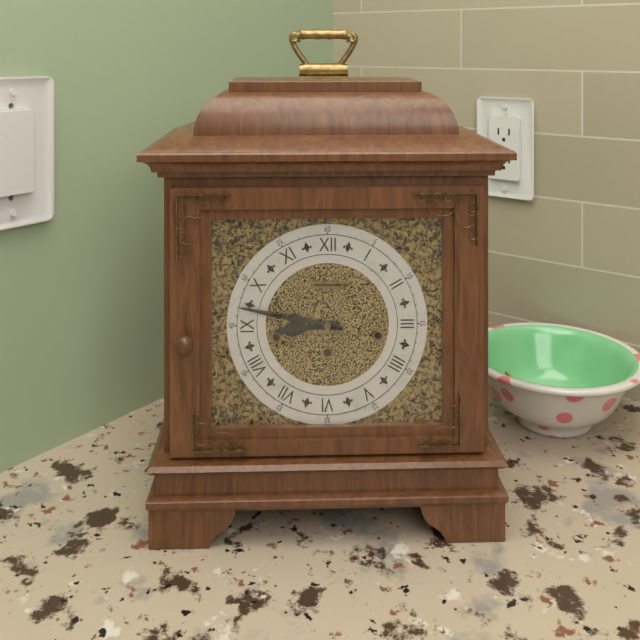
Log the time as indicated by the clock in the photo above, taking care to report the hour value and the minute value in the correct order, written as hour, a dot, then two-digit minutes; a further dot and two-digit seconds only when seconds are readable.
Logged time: 8.47
